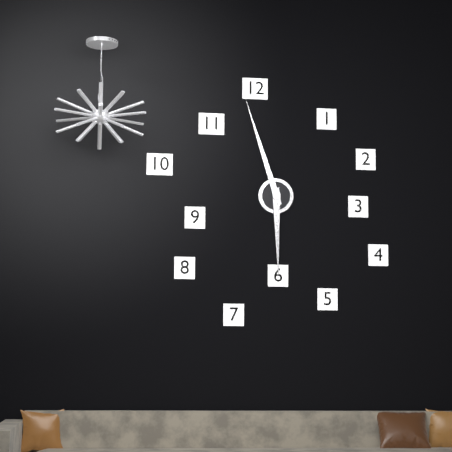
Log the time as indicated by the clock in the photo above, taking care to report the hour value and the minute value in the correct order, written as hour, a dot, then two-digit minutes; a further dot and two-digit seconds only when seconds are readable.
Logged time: 5.57
